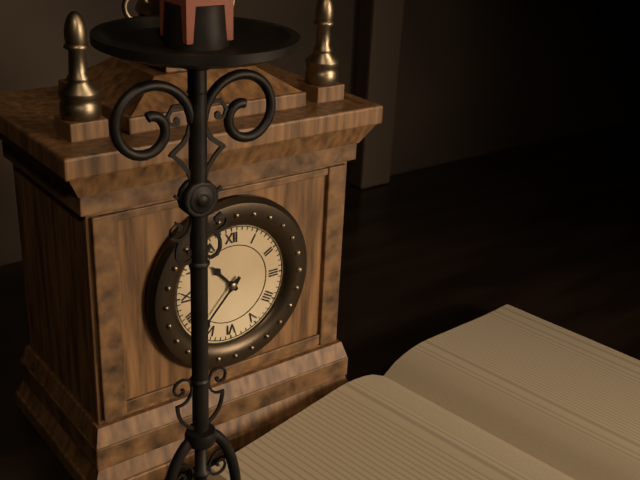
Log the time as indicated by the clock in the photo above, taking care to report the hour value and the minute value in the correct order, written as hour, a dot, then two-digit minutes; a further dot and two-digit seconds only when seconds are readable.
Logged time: 10.37
